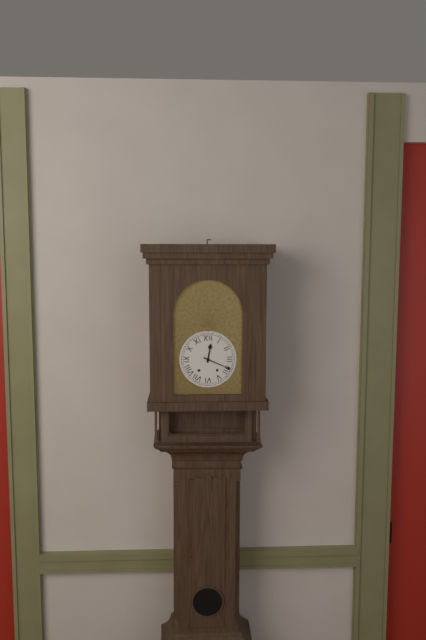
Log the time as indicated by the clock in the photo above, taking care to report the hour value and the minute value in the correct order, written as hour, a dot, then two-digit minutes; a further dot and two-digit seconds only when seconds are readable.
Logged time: 12.19
